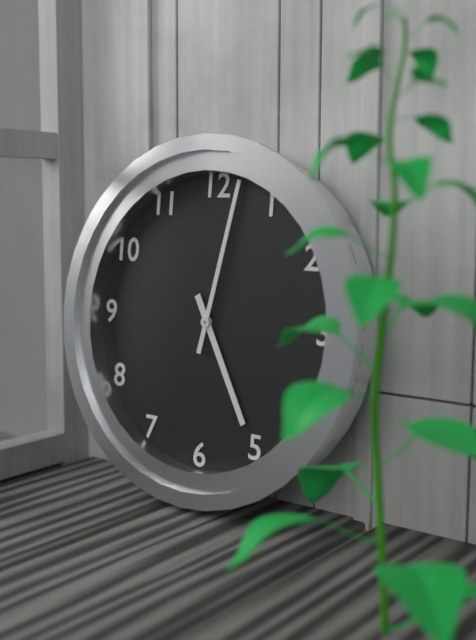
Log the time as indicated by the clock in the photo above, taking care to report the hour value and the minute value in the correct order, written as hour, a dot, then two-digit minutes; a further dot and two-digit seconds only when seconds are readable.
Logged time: 5.02
